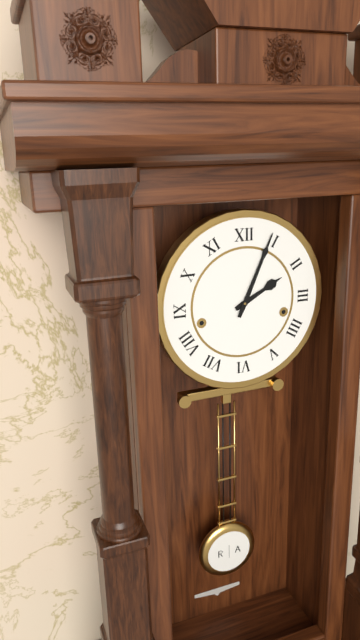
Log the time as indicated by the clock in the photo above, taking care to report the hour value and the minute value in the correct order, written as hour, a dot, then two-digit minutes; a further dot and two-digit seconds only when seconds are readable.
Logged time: 2.04
